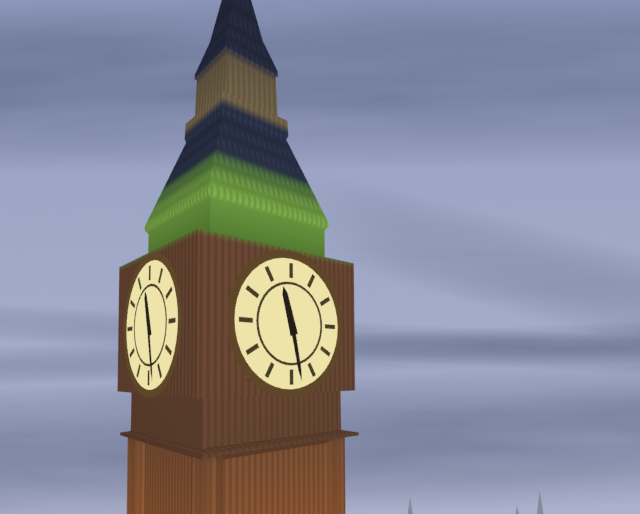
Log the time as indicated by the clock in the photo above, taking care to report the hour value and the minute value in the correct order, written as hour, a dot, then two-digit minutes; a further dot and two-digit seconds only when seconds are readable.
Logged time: 11.28
